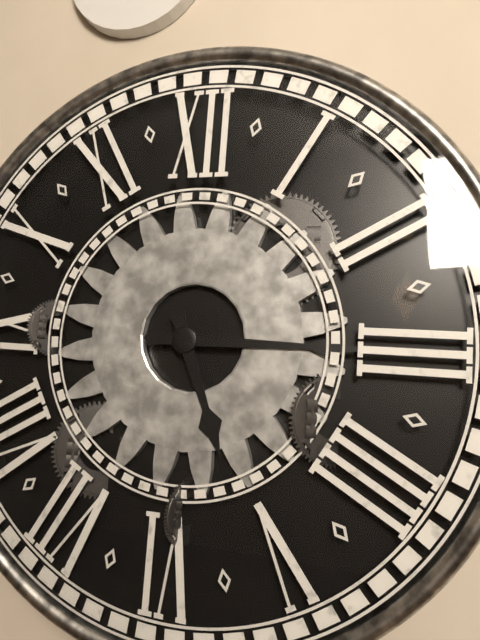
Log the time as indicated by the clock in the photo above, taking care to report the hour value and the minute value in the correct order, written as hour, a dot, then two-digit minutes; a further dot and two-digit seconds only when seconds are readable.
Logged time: 5.15
